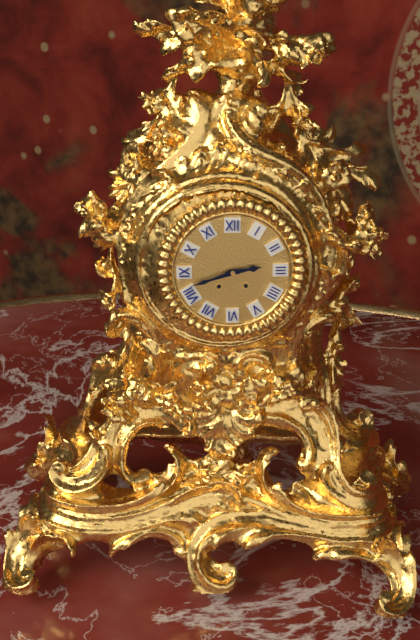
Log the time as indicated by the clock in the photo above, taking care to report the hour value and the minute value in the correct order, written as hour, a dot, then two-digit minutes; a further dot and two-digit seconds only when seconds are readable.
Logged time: 2.42
